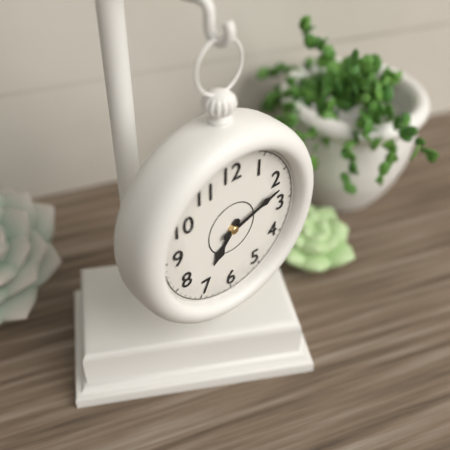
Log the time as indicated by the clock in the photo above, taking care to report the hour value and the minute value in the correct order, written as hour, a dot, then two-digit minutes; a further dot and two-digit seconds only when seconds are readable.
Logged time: 7.12
